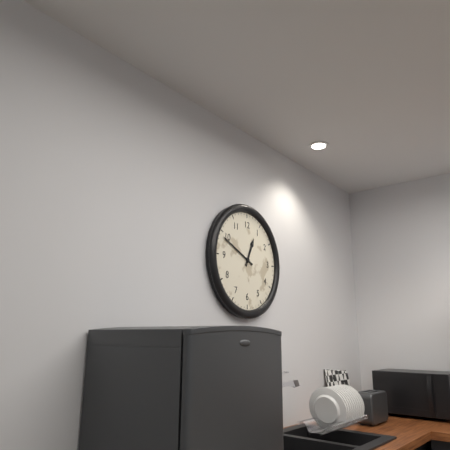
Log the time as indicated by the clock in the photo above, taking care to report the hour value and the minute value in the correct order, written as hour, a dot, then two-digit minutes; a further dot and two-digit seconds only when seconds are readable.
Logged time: 12.49
